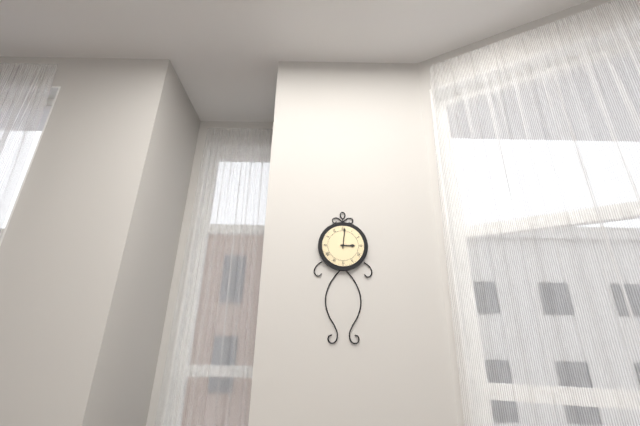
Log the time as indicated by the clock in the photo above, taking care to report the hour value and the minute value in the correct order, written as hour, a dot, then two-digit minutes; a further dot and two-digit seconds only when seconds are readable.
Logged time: 3.01
